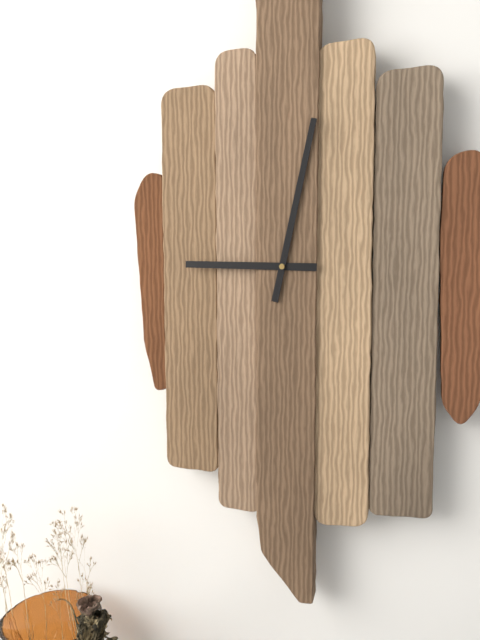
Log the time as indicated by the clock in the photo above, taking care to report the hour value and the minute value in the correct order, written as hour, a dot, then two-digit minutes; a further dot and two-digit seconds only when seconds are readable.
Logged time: 9.02
